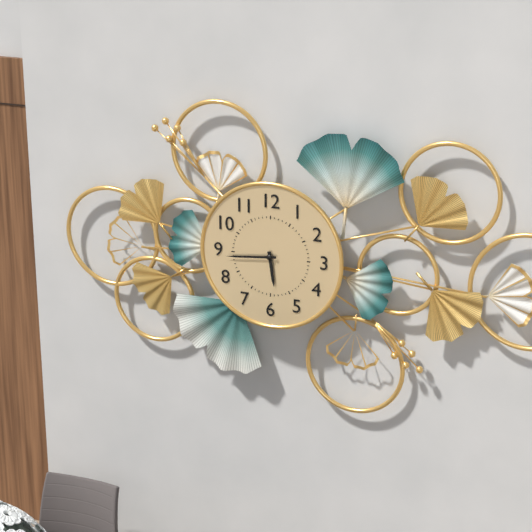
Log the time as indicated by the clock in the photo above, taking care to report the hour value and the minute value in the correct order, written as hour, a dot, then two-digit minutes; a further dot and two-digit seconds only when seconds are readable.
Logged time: 5.44
